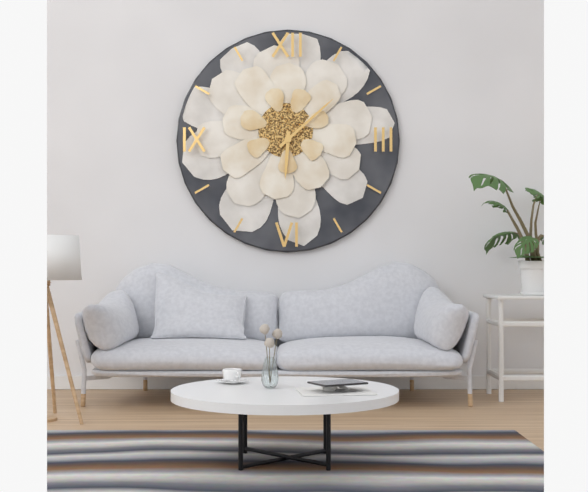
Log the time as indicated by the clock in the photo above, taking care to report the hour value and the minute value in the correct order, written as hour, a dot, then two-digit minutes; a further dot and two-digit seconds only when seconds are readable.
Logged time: 6.08
